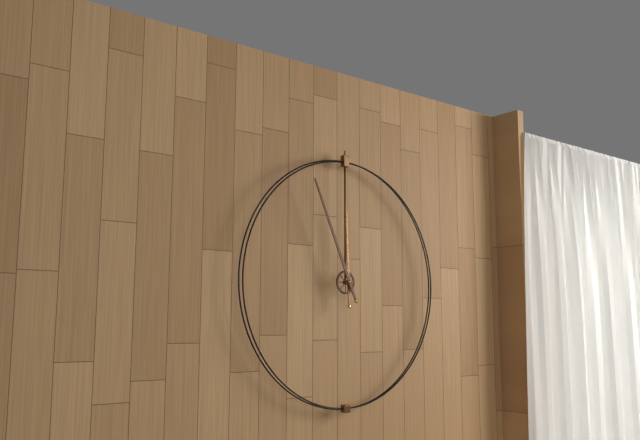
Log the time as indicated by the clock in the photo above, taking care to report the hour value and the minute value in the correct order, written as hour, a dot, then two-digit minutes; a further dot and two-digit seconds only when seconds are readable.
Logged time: 11.56
